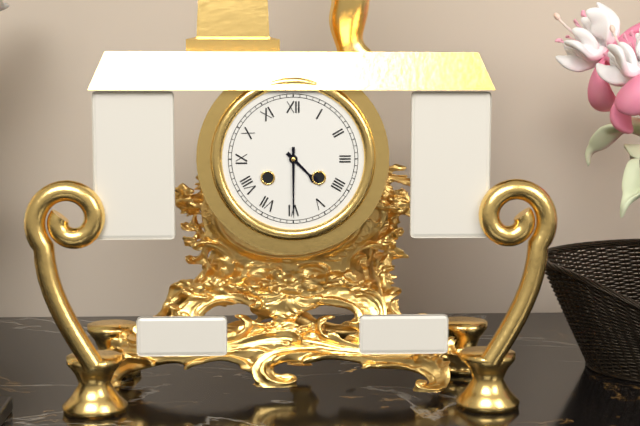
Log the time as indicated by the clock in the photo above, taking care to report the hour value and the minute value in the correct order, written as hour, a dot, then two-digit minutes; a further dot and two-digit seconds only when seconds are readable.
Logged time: 4.30
